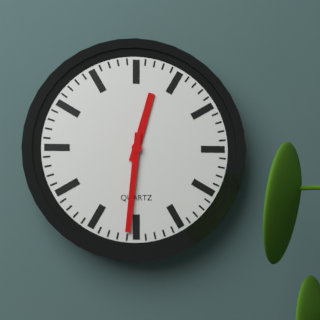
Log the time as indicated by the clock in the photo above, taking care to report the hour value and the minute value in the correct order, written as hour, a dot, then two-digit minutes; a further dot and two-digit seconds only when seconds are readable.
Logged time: 12.31
